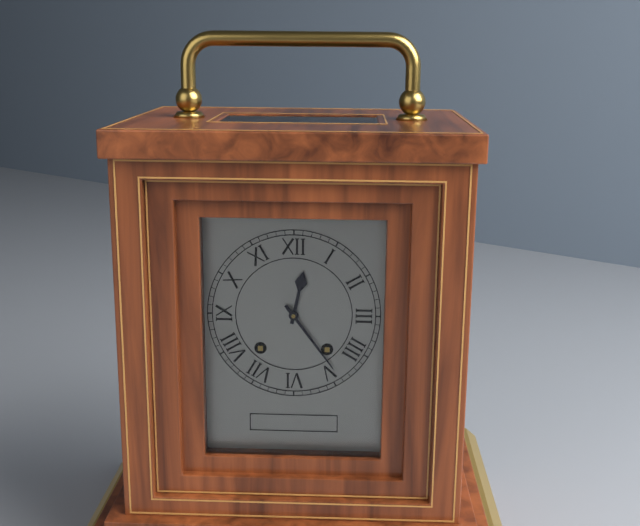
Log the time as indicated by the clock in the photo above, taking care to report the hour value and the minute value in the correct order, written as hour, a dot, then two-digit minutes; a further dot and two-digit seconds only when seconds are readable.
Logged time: 12.24
